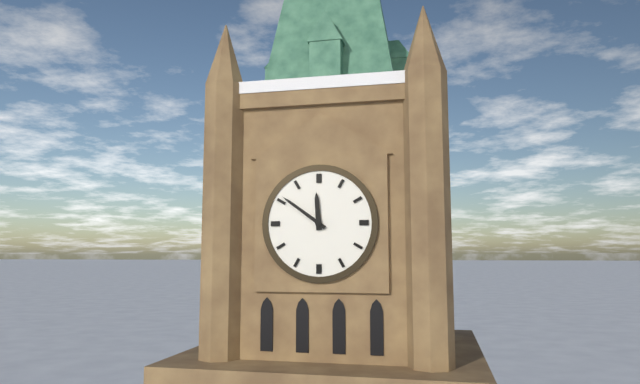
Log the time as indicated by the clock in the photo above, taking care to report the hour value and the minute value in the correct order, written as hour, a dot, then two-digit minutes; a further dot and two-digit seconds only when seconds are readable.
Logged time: 11.51
